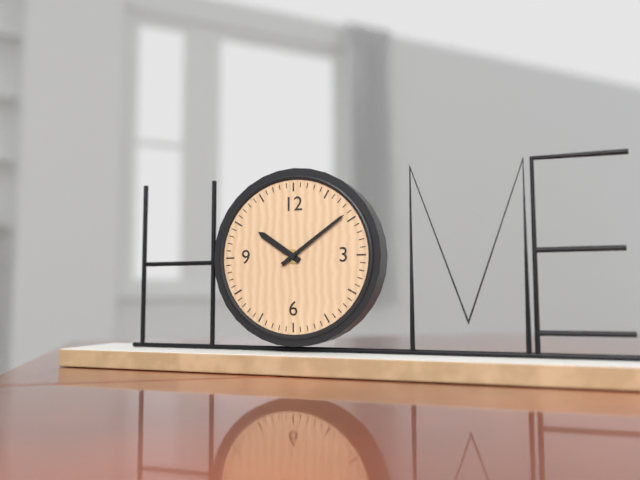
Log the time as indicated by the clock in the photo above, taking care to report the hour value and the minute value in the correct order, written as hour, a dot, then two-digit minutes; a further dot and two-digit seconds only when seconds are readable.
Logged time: 10.09
